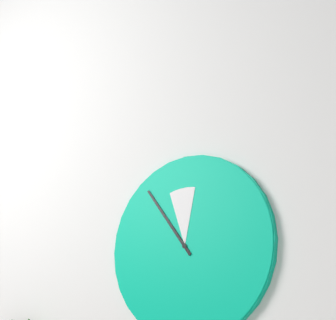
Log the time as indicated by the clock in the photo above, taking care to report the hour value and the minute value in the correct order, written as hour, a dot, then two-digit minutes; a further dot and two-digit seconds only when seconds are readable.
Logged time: 11.54
